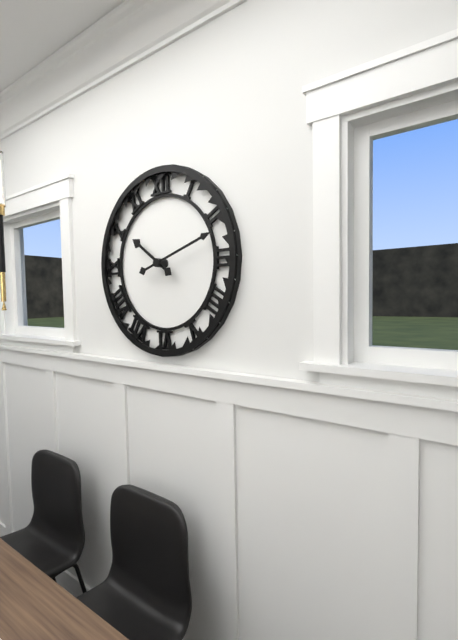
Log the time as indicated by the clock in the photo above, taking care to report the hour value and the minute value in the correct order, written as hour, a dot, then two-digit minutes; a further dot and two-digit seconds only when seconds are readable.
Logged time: 10.12
